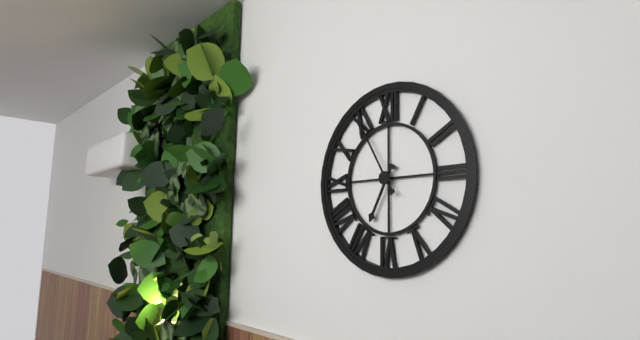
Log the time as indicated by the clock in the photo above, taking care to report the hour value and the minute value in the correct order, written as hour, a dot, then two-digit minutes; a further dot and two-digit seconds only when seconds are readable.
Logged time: 6.55
